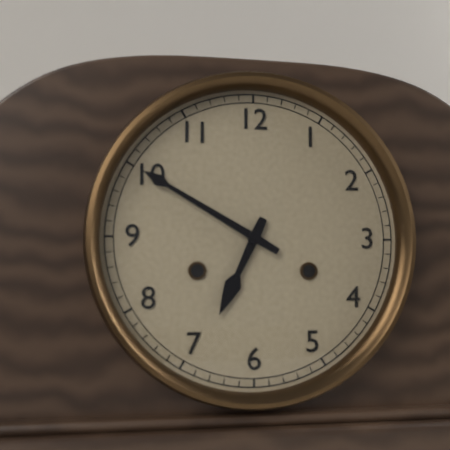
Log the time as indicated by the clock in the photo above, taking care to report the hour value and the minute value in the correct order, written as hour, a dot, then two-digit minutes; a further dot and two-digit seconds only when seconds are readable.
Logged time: 6.50
